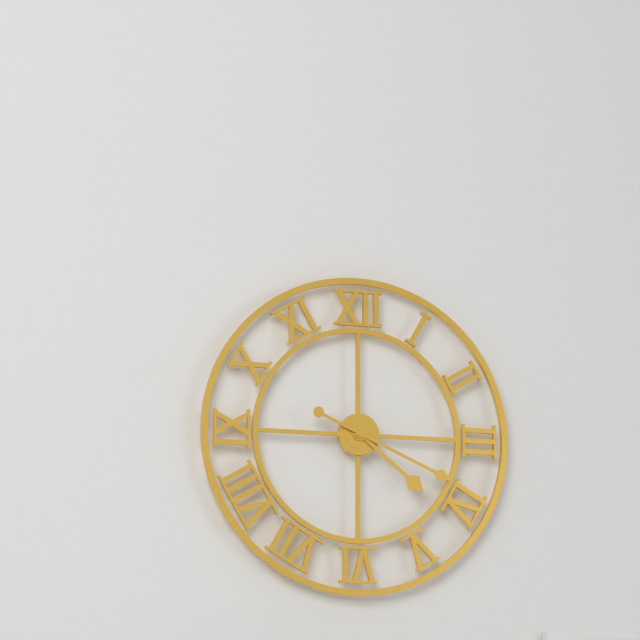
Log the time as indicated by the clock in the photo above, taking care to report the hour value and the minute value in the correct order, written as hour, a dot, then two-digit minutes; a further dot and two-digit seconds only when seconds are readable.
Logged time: 4.19
